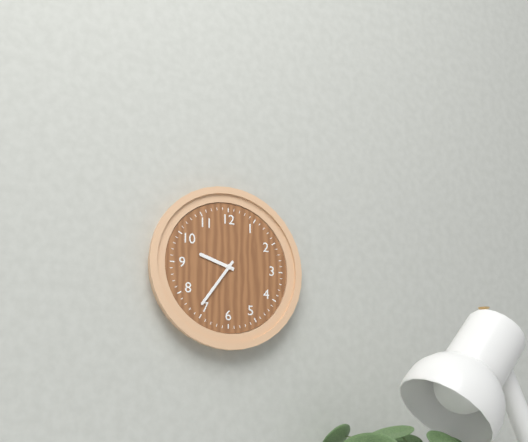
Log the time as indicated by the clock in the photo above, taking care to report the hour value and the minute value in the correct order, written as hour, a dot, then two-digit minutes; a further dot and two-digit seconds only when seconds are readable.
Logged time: 9.36
